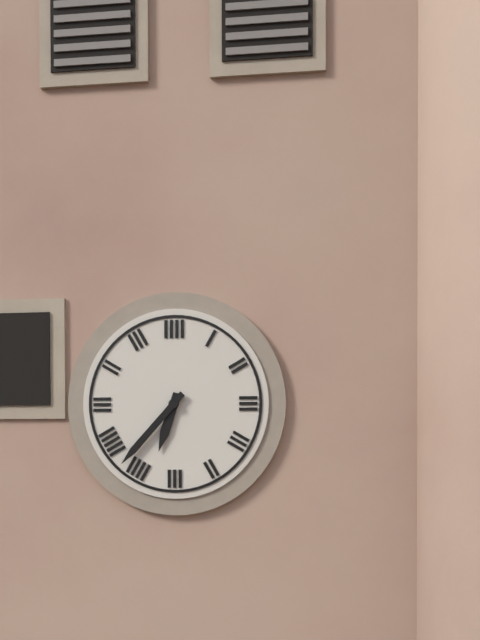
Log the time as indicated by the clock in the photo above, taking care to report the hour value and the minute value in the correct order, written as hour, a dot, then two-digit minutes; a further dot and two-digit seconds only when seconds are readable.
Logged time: 6.37
